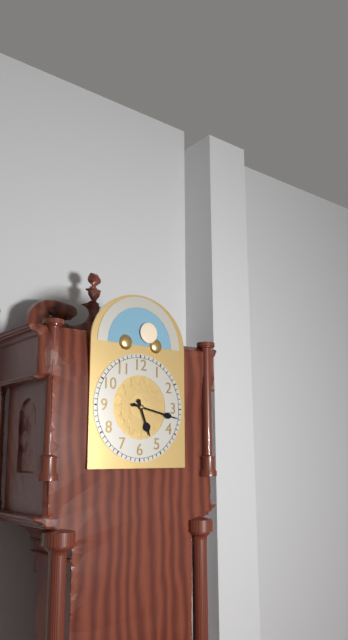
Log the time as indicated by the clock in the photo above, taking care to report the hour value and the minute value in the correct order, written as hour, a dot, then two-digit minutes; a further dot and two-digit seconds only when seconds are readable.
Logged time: 5.17
